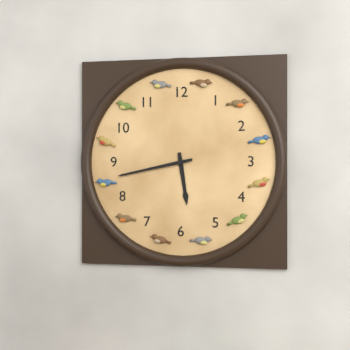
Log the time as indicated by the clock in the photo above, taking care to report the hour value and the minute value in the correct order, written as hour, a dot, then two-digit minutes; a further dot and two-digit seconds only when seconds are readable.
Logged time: 5.43
